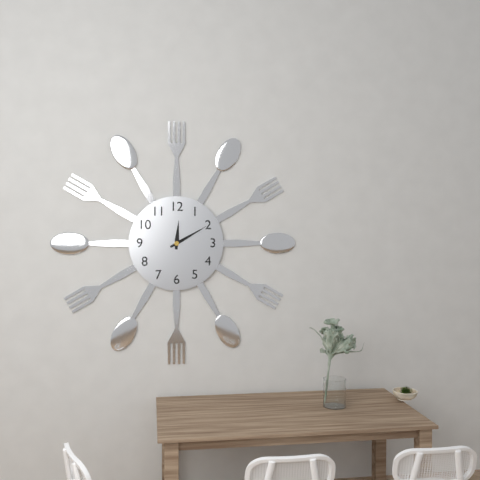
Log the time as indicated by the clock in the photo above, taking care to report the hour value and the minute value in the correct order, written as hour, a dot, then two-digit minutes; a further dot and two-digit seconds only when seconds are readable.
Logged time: 12.10
